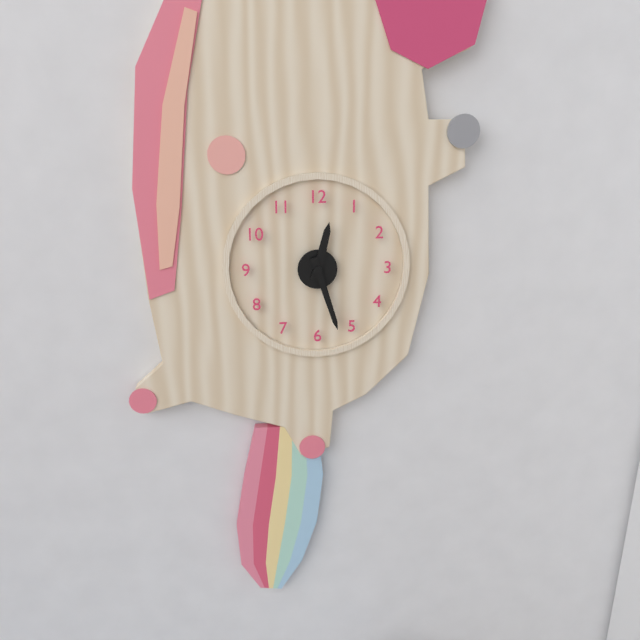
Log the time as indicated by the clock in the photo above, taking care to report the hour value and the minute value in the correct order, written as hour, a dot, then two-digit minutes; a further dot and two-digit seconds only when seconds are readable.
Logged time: 12.27
